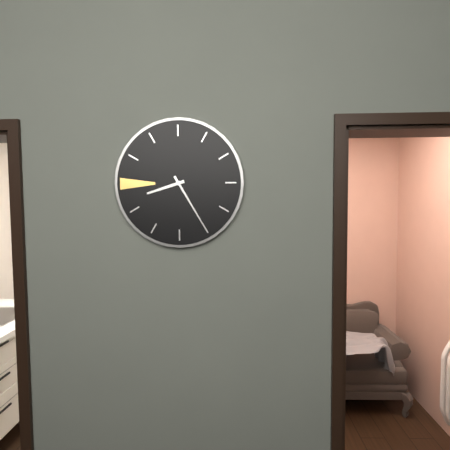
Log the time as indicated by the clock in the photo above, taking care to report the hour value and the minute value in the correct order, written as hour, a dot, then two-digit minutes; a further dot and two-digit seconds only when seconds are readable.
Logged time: 8.25
